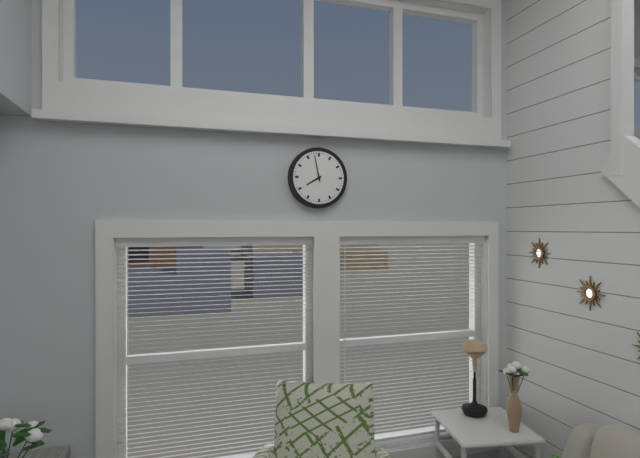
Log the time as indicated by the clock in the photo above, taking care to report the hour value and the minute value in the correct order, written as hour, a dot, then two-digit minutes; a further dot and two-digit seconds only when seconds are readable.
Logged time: 7.58
